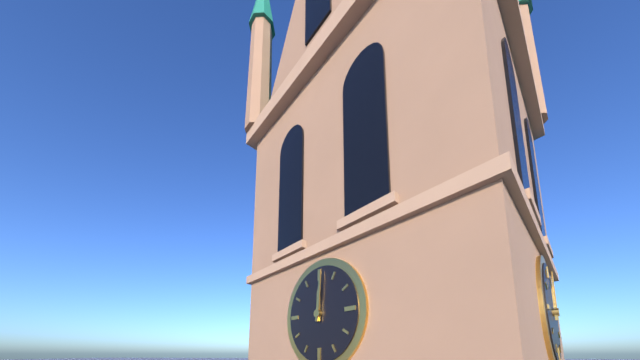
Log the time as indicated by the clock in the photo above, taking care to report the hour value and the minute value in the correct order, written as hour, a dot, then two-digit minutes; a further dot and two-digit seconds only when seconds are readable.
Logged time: 12.01
